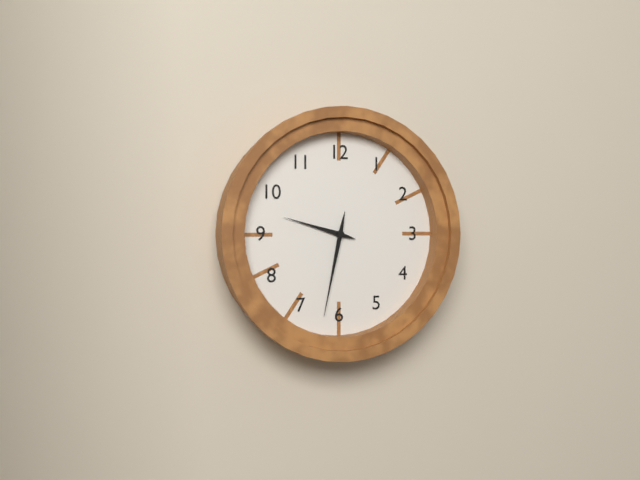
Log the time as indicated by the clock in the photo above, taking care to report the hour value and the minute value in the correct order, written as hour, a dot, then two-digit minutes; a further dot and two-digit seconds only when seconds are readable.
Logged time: 9.32
